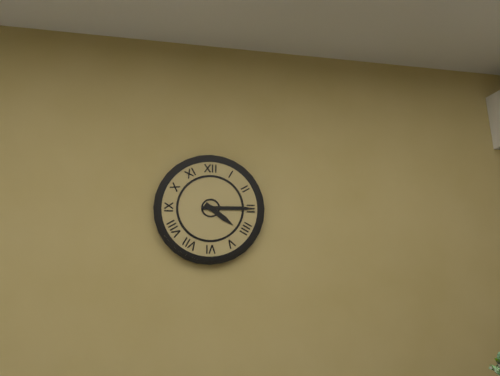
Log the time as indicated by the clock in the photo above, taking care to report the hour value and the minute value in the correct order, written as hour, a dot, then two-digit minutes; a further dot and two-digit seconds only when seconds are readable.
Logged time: 4.15
